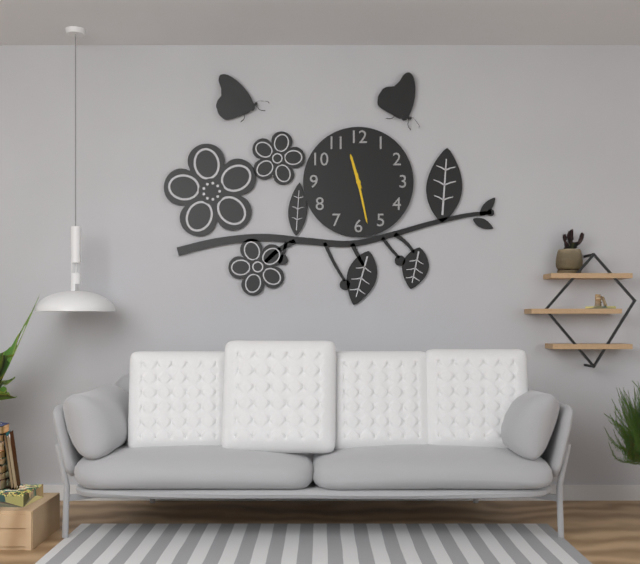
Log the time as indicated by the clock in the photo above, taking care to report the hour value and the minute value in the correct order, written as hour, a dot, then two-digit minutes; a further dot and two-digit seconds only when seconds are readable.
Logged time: 11.28
